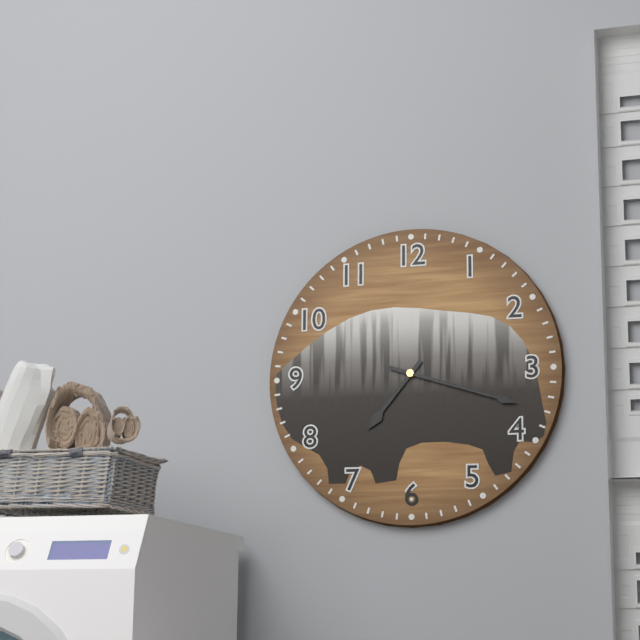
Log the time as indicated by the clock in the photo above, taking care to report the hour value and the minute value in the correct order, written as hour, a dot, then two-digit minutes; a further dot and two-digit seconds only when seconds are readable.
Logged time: 7.18
